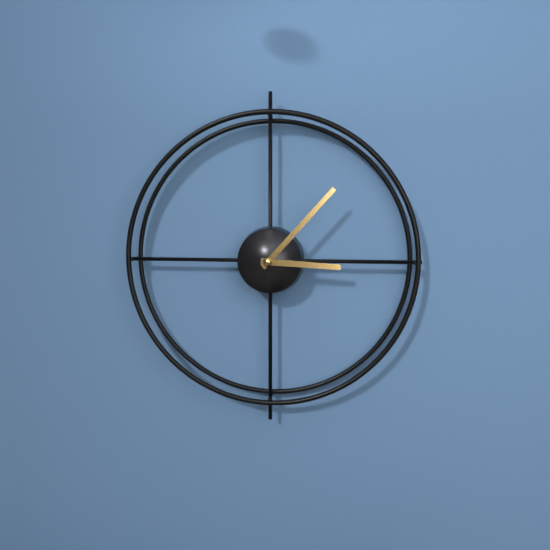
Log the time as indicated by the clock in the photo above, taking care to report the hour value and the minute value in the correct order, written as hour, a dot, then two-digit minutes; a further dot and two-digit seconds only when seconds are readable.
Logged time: 3.07
